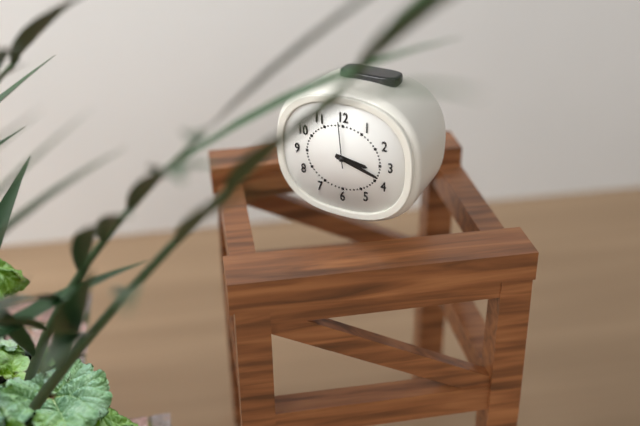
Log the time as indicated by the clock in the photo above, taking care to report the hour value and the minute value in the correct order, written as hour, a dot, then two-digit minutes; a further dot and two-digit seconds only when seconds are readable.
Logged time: 3.18
